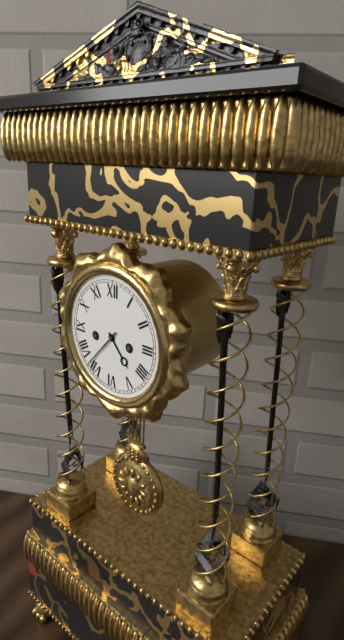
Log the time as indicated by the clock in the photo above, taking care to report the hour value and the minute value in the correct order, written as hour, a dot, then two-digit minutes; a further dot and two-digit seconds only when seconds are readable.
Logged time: 4.37
